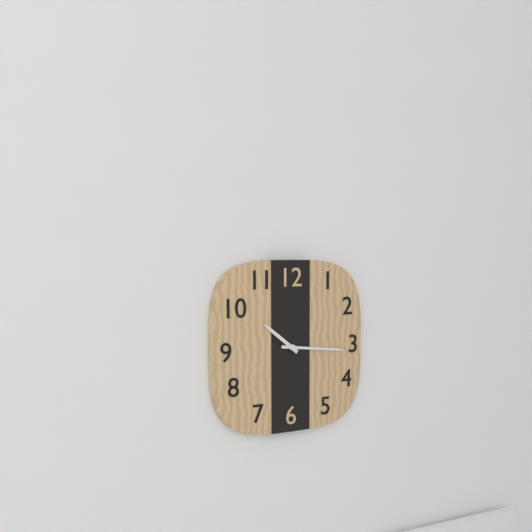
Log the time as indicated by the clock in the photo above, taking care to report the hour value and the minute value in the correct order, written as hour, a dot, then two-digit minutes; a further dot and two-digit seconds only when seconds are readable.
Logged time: 10.16
